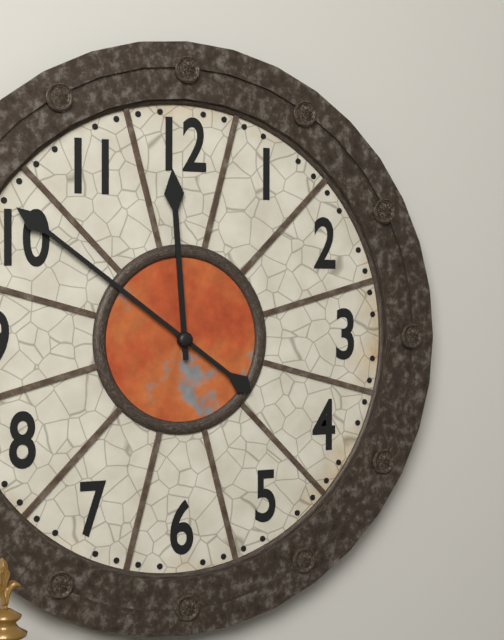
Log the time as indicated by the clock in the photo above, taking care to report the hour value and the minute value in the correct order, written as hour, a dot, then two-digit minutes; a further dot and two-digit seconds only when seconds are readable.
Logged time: 11.51
